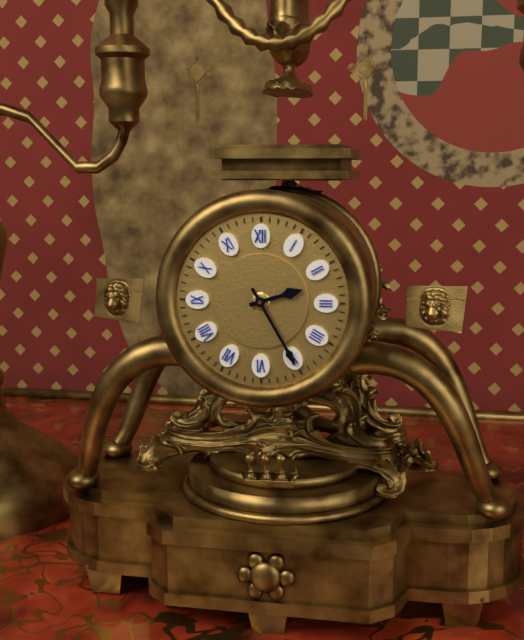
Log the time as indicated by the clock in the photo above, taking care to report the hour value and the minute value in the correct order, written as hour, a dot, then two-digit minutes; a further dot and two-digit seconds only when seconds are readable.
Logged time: 2.25
